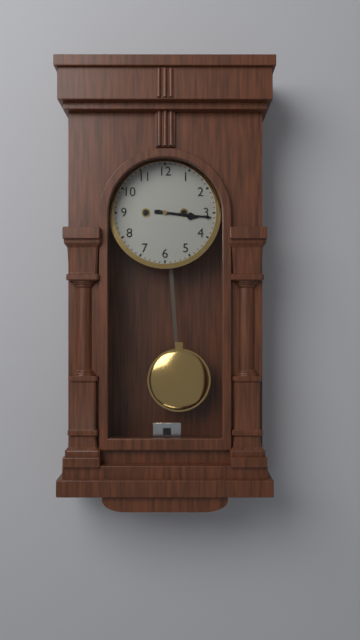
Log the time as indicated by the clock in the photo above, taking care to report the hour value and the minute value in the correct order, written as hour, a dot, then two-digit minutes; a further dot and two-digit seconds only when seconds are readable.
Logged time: 3.16
